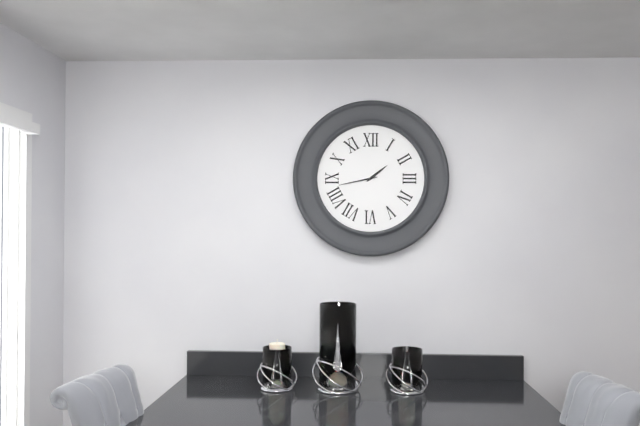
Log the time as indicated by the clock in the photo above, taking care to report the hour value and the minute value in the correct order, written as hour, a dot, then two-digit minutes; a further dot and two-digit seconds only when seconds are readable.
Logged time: 1.43
